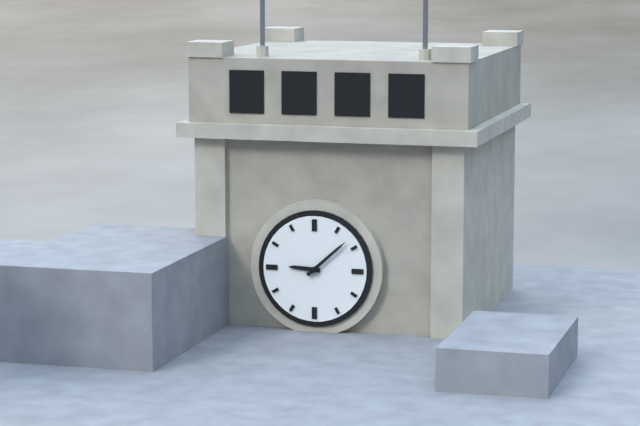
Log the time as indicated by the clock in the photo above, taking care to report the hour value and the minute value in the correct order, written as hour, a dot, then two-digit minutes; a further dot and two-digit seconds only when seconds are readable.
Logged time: 9.08
